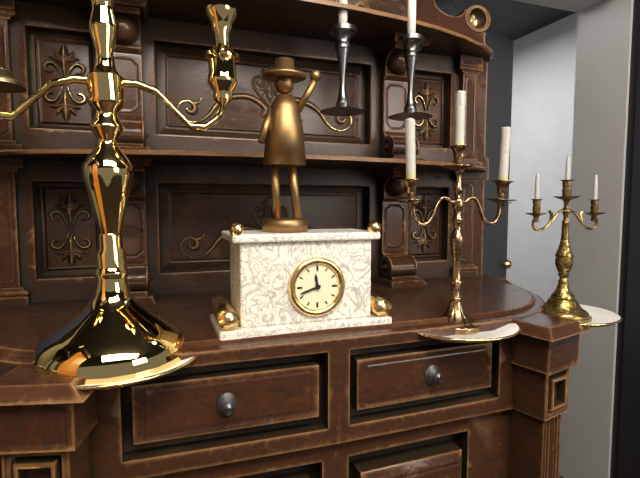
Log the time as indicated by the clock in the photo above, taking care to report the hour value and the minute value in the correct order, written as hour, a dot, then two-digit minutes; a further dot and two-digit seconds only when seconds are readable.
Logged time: 11.42
